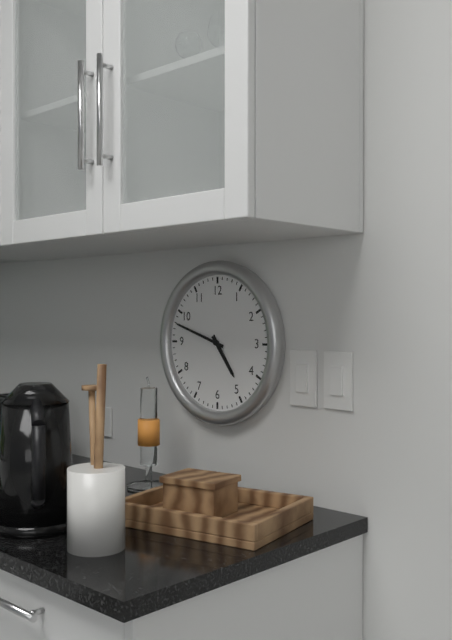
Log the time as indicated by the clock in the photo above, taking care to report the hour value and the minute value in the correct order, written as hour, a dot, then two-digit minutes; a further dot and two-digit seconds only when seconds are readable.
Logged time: 4.48
